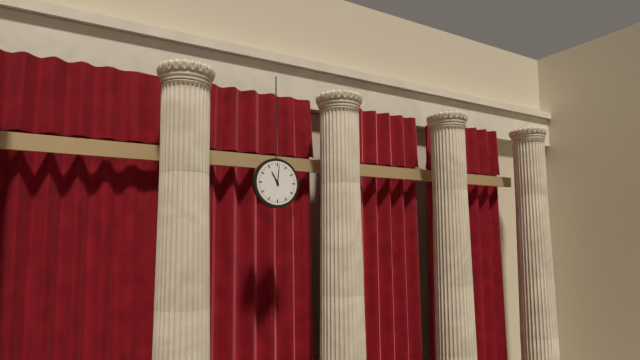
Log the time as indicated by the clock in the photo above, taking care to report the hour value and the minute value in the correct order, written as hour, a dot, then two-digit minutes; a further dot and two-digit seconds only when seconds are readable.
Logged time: 11.01
